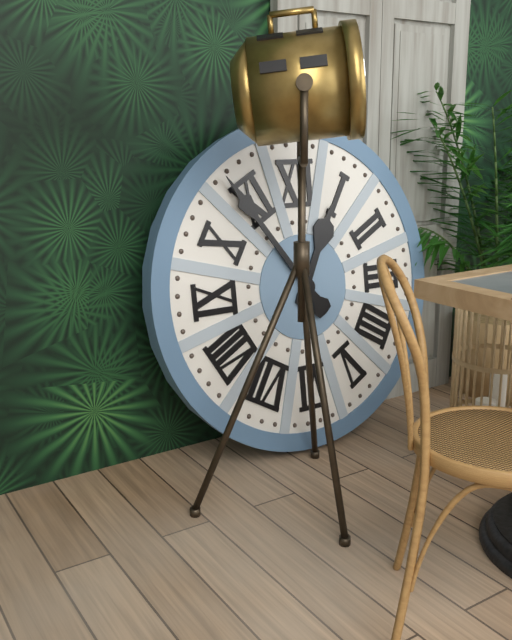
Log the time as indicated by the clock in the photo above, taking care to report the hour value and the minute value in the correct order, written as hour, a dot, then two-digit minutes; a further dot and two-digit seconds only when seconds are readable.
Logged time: 12.54
